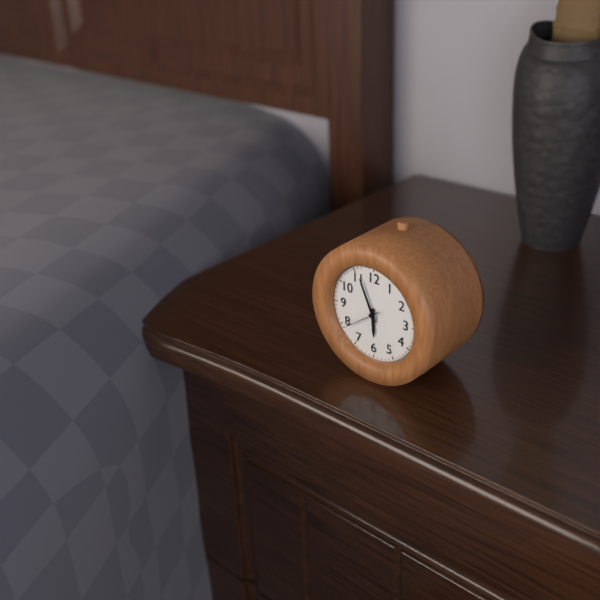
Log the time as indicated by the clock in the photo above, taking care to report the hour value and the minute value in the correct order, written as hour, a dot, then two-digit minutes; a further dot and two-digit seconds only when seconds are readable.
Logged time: 5.56
